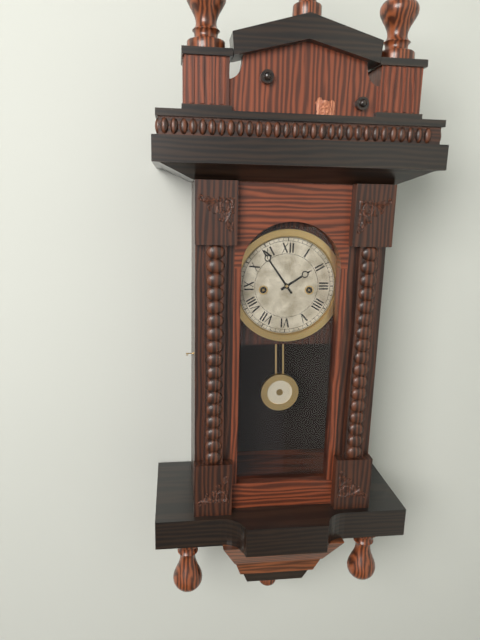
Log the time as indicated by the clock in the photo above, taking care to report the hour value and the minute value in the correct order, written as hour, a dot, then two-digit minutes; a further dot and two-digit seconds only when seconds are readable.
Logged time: 1.54
